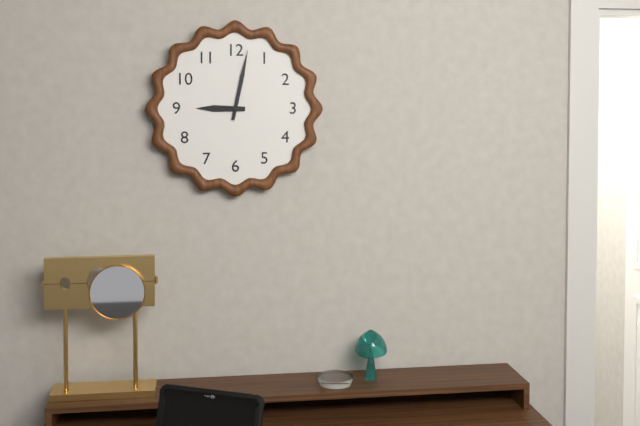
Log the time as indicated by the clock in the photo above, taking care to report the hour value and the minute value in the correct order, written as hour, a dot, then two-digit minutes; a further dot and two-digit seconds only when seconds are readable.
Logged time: 9.02
